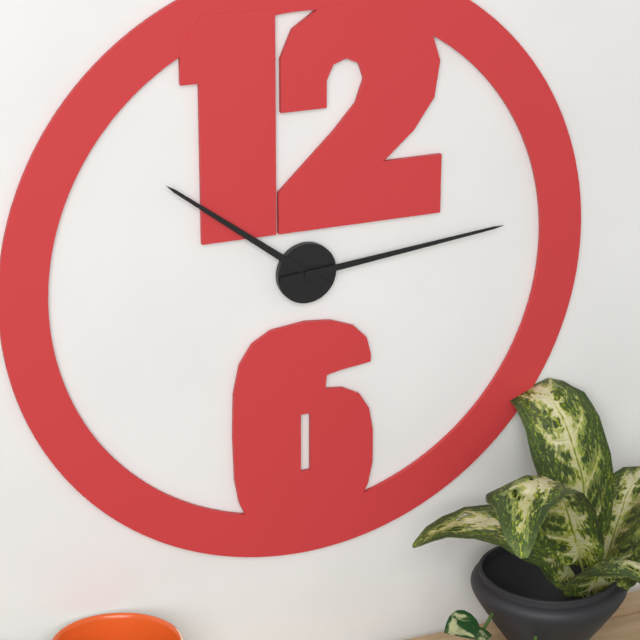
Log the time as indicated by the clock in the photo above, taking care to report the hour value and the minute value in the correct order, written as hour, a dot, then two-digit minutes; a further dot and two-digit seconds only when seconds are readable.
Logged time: 10.14
